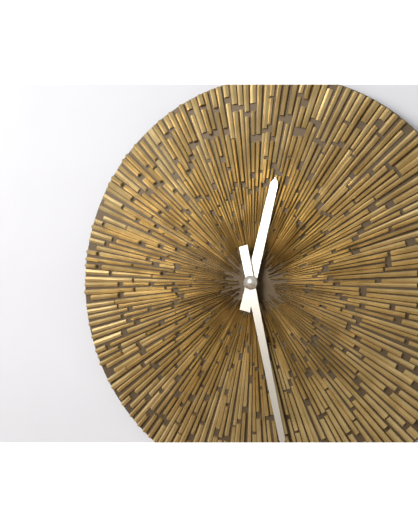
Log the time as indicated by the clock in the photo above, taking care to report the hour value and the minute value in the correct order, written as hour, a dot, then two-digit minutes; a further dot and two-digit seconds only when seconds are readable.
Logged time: 12.28
